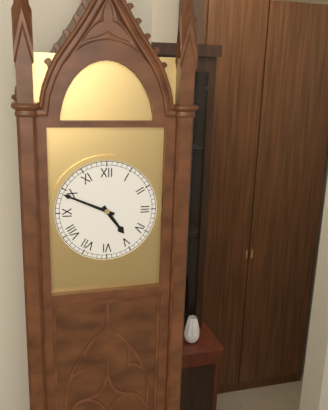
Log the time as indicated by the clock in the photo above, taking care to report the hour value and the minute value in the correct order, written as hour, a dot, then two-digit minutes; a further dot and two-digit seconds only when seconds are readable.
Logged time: 4.49
